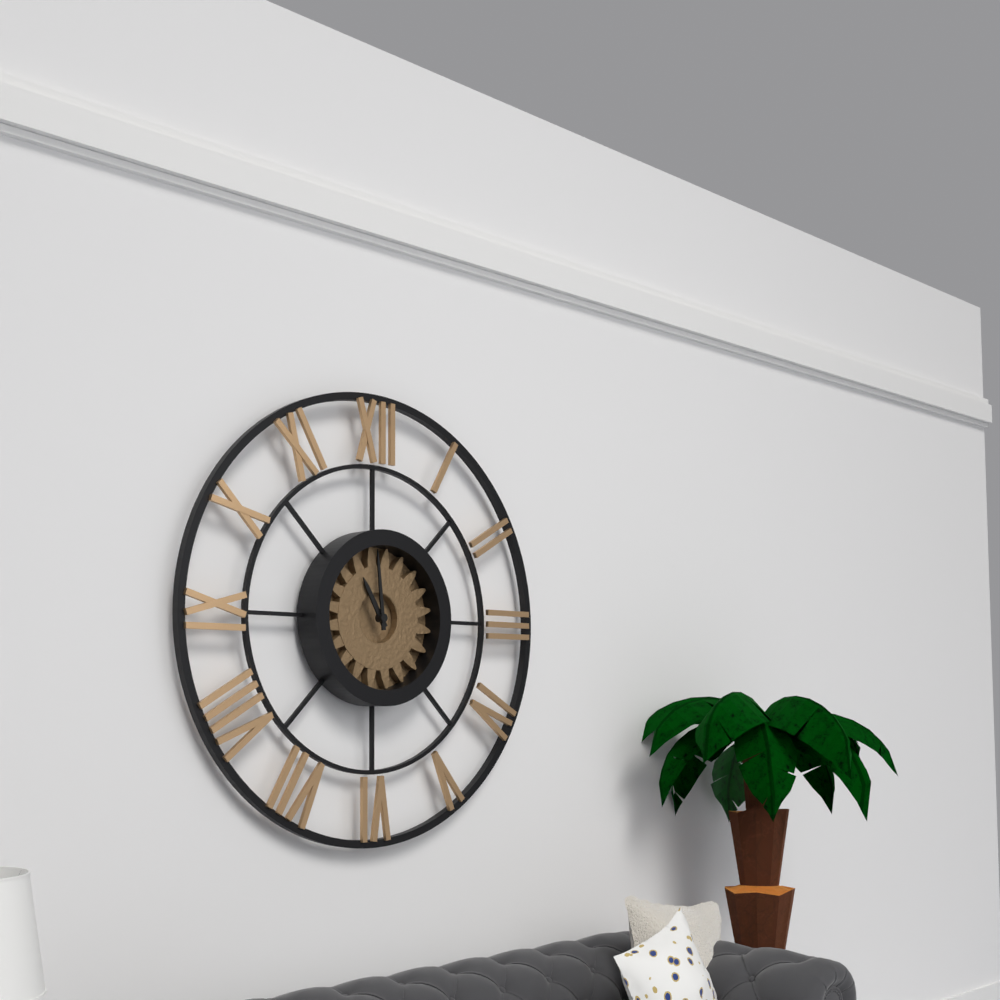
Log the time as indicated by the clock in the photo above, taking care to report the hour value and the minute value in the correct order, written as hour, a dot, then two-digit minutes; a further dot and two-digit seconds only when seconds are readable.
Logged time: 10.59
